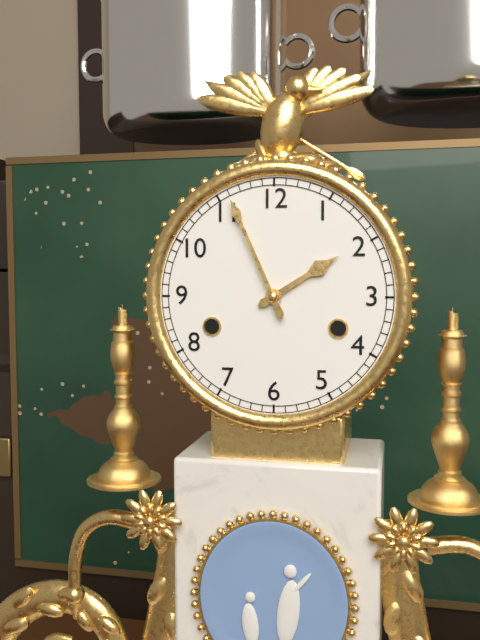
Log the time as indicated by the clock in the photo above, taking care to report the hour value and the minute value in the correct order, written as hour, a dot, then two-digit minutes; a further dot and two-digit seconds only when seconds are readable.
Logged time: 1.56
